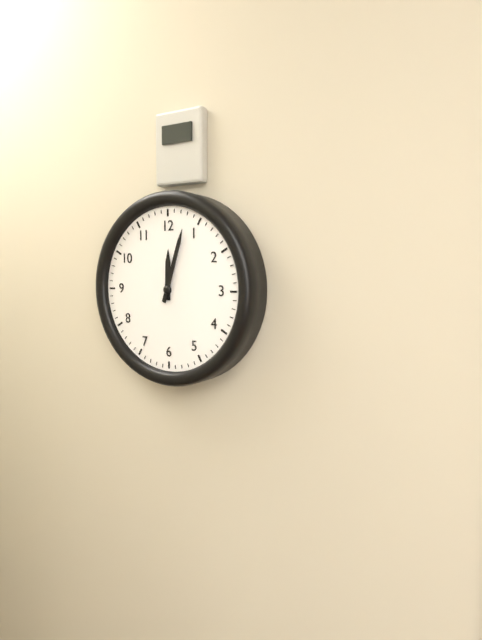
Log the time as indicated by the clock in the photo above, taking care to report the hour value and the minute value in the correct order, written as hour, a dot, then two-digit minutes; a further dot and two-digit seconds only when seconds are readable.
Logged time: 12.03
